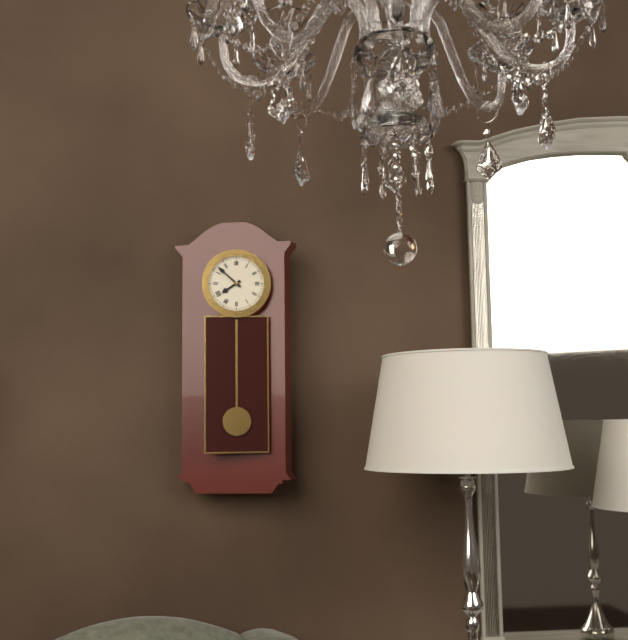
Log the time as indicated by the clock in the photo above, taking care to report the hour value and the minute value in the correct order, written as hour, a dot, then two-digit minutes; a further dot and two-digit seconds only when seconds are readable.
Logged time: 7.52
